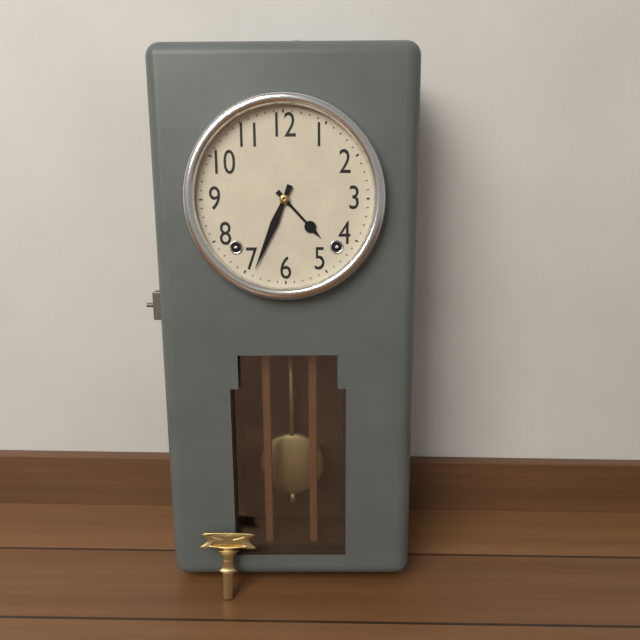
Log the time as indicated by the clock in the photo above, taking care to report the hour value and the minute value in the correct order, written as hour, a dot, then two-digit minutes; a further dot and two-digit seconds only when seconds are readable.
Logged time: 4.34
